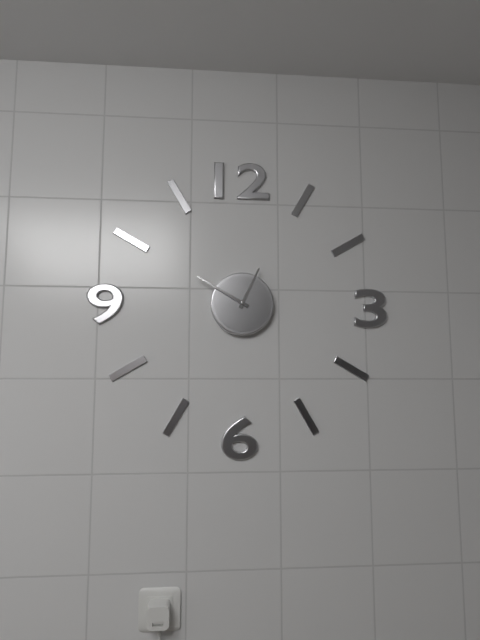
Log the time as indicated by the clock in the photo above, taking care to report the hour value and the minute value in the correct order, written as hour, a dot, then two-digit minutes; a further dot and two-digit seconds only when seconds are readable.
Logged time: 12.50
